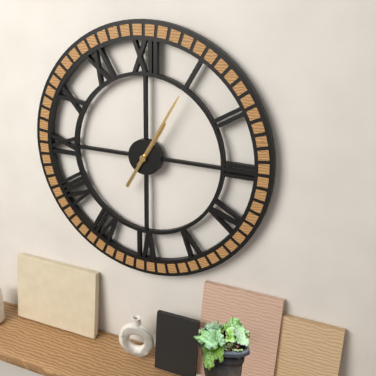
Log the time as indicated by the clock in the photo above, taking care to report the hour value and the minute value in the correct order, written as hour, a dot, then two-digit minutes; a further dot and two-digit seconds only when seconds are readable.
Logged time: 1.05
